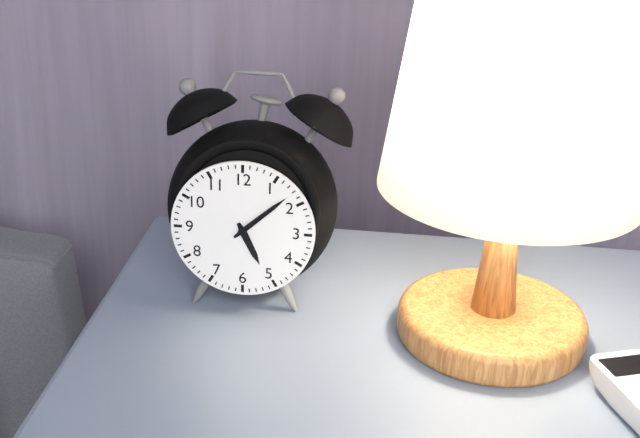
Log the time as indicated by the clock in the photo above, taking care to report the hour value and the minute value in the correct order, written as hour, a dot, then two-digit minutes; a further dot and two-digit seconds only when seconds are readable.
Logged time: 5.08
